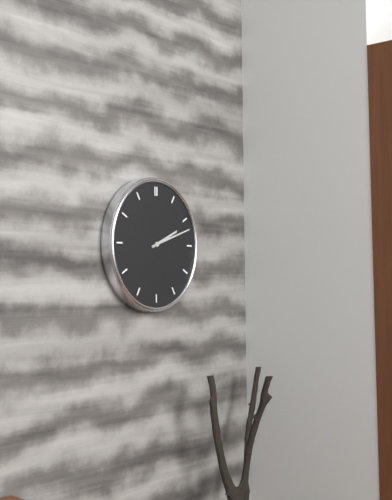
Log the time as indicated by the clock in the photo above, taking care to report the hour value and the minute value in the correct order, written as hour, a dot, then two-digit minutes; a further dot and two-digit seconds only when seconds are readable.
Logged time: 2.12
